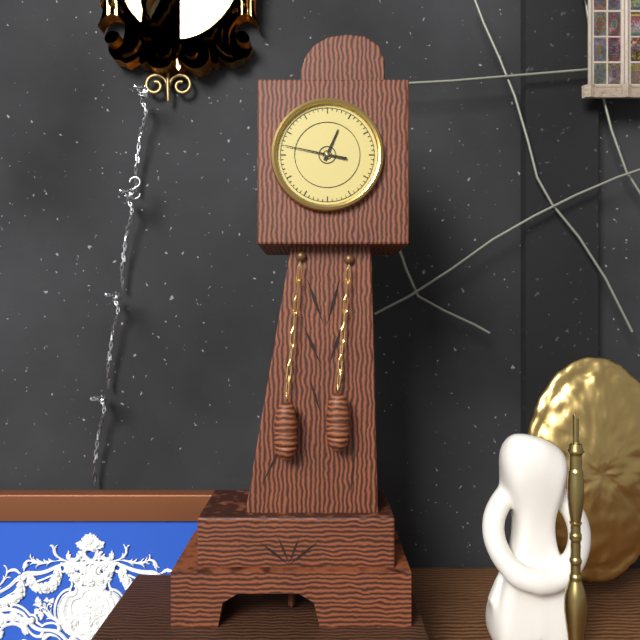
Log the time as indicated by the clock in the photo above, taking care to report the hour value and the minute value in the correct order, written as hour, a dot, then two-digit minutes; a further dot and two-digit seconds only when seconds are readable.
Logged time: 12.47
